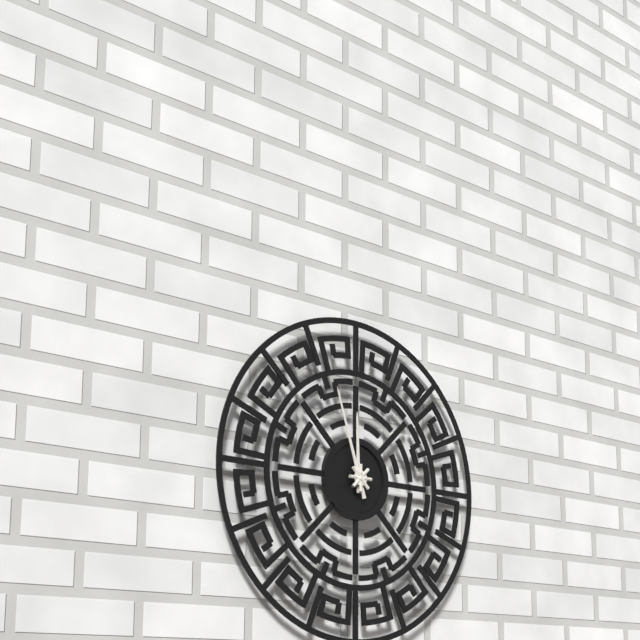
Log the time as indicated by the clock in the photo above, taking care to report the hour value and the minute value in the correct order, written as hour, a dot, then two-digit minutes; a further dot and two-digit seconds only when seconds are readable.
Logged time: 11.57
